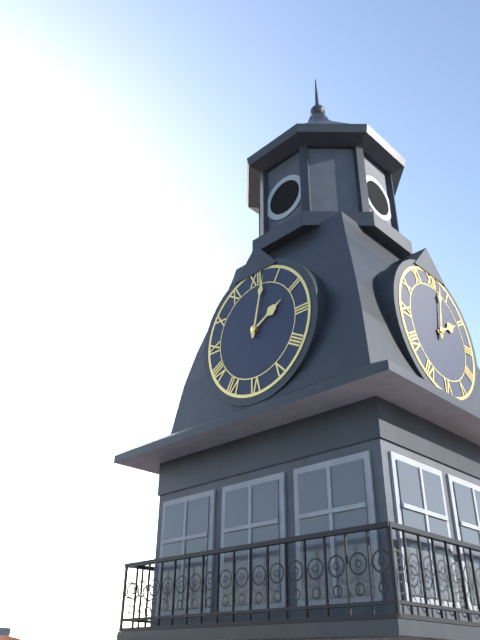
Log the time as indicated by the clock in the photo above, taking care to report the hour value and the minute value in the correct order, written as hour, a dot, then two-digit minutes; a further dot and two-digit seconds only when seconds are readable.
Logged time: 2.02
